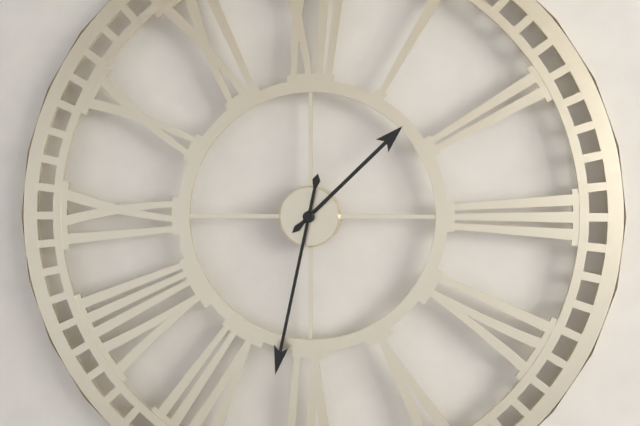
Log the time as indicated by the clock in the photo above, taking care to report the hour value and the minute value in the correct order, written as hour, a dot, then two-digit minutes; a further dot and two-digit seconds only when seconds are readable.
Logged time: 1.32
